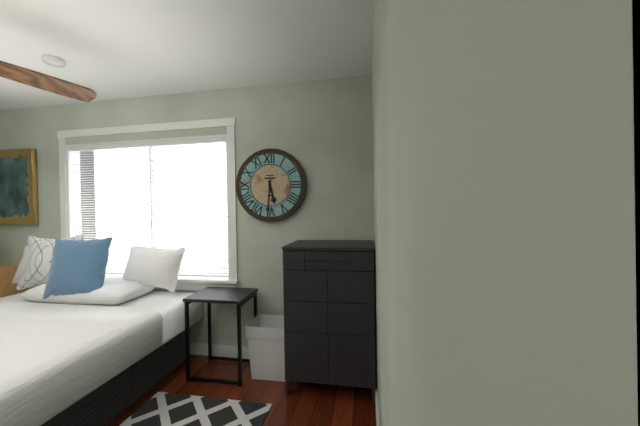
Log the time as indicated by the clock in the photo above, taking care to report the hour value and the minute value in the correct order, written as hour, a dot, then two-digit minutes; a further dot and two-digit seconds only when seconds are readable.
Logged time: 5.31
